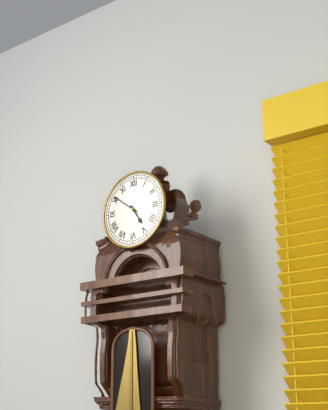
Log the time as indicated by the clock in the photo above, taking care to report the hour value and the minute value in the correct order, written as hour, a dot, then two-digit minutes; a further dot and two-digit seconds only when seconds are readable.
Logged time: 4.51
